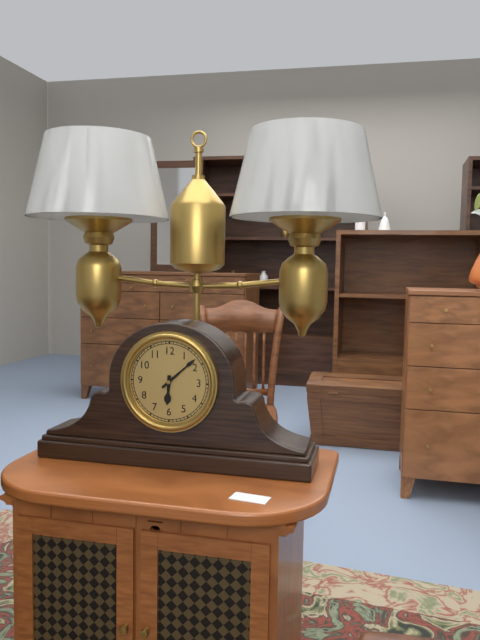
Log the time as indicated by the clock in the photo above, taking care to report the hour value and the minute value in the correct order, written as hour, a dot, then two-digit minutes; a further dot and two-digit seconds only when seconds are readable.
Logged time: 6.08
